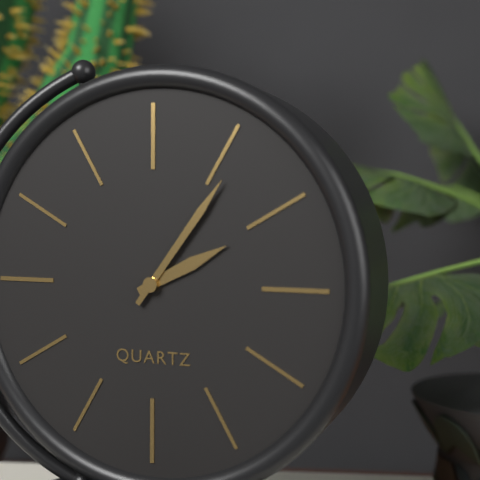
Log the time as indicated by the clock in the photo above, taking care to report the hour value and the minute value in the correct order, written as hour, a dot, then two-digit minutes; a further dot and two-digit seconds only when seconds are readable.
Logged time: 2.06
